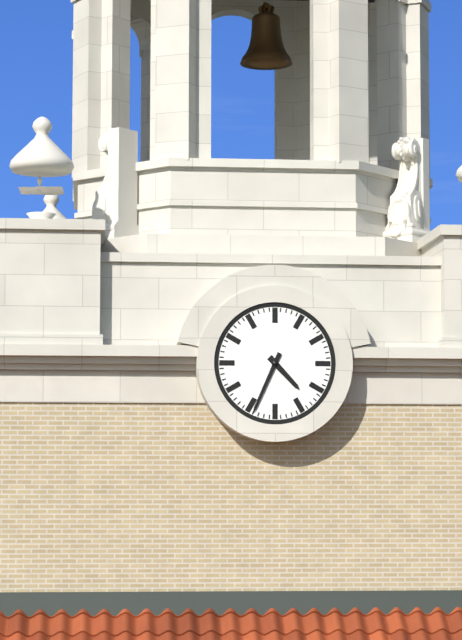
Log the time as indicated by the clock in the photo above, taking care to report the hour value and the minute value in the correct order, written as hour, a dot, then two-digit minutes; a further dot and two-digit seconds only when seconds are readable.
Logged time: 4.34
